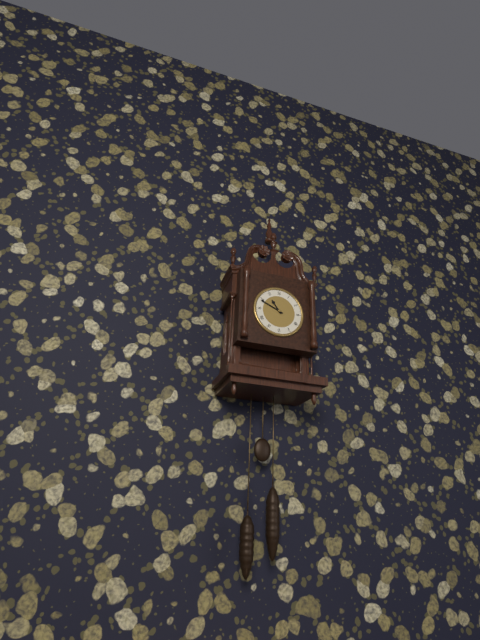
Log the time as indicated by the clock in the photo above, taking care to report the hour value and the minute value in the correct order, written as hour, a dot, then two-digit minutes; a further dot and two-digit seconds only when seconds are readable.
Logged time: 10.49
